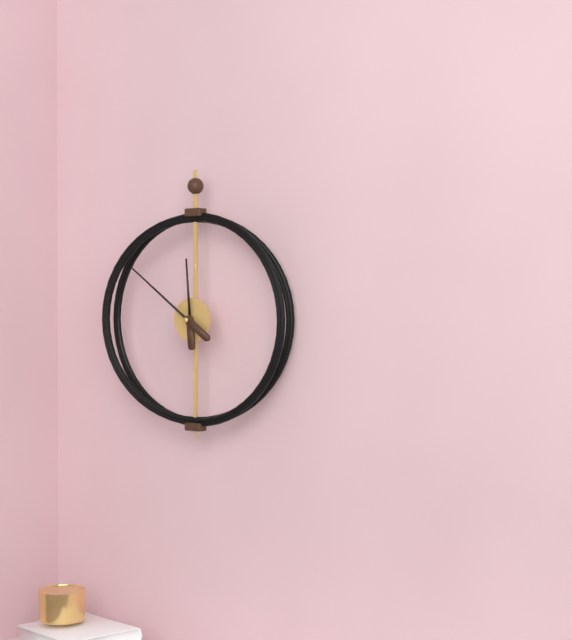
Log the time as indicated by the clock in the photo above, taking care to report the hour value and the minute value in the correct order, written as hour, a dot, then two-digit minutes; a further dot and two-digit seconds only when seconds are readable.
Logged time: 11.51
